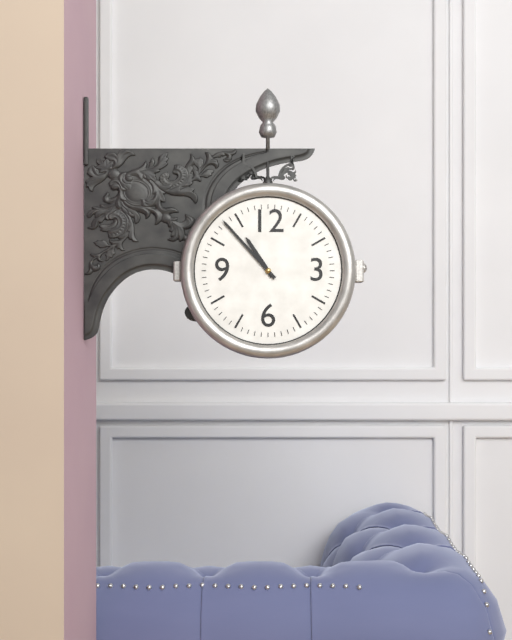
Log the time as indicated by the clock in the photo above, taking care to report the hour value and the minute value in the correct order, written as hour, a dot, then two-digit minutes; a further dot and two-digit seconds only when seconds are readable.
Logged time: 10.53
